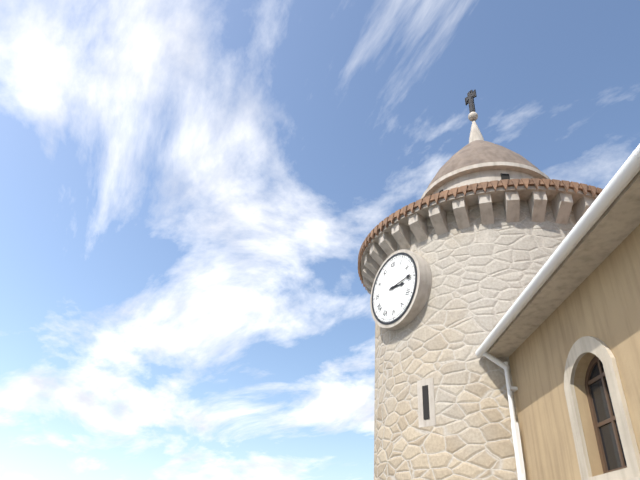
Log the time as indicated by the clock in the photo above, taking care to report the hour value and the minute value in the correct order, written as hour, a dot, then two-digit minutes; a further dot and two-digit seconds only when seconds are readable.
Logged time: 3.14
